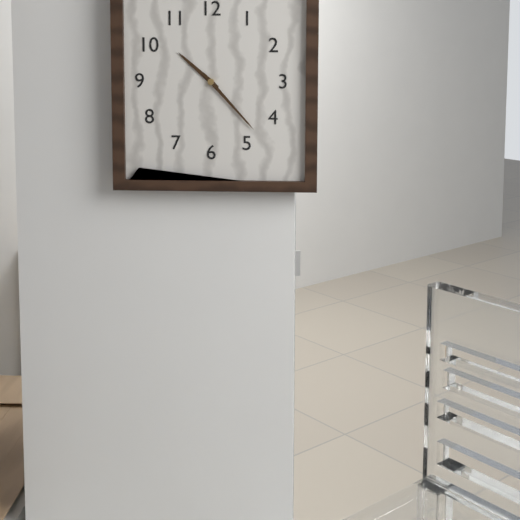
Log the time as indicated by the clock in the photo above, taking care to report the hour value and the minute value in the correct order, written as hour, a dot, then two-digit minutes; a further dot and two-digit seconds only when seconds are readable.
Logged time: 10.23
